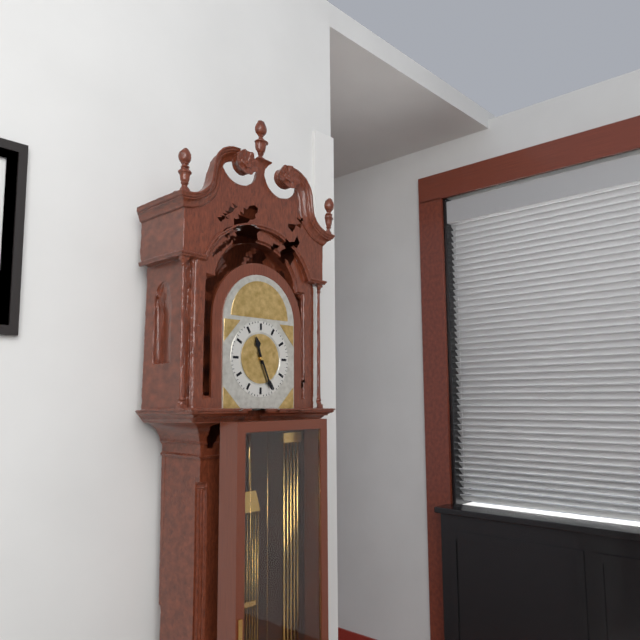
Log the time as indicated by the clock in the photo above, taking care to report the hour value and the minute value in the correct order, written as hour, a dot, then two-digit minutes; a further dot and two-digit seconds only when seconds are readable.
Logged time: 11.26
